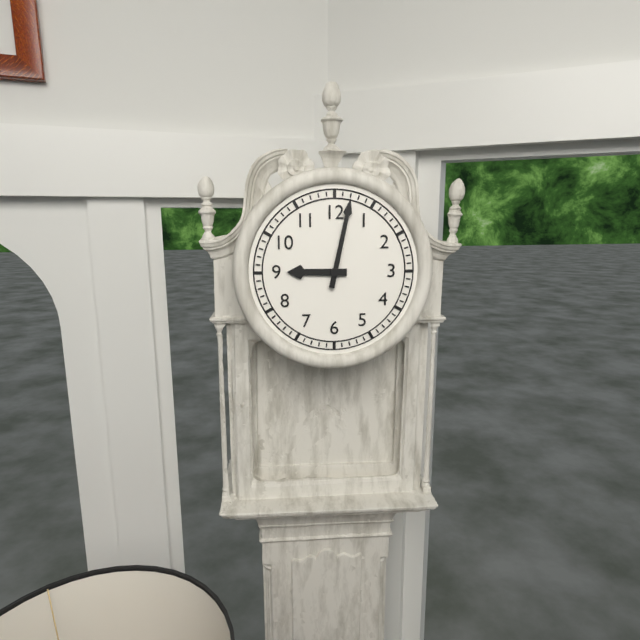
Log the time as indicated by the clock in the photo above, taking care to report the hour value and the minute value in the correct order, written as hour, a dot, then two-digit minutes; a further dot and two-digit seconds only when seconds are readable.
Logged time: 9.02
